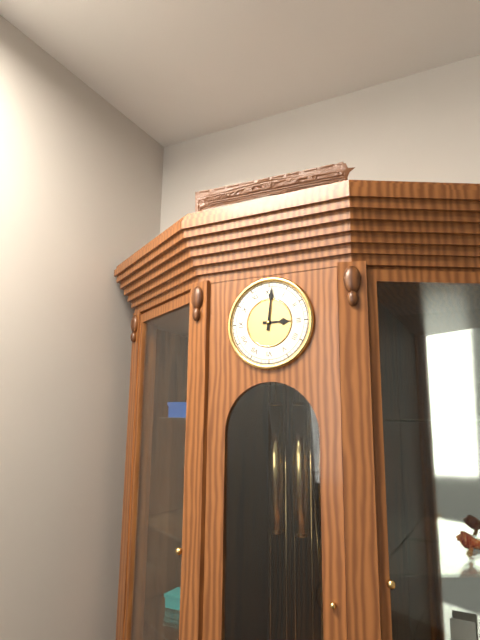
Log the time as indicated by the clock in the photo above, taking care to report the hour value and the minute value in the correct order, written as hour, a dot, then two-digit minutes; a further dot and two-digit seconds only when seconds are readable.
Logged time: 3.01
